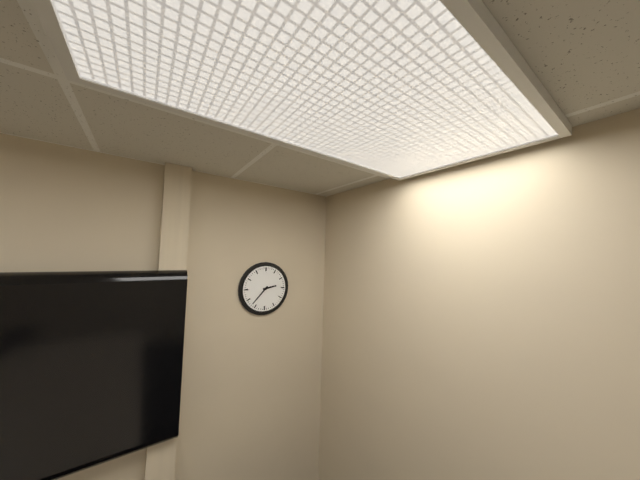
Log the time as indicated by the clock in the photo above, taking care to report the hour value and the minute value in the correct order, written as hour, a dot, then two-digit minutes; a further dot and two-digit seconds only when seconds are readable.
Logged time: 2.37
